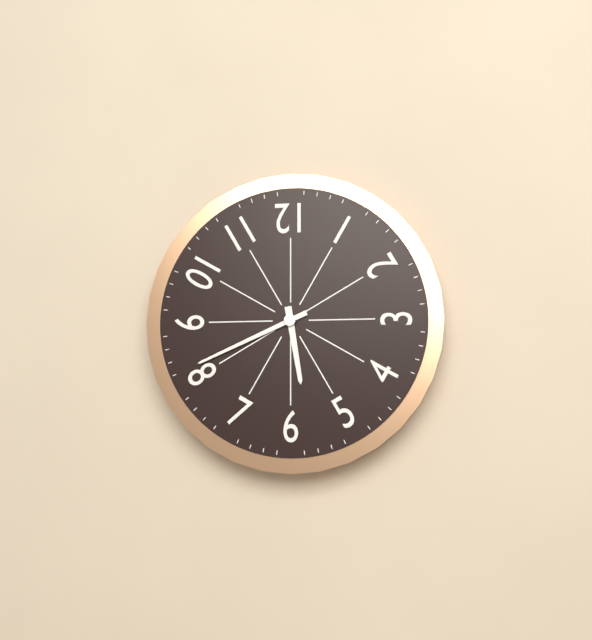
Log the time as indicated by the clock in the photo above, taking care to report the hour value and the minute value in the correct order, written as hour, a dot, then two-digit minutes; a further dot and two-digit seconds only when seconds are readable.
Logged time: 5.41
